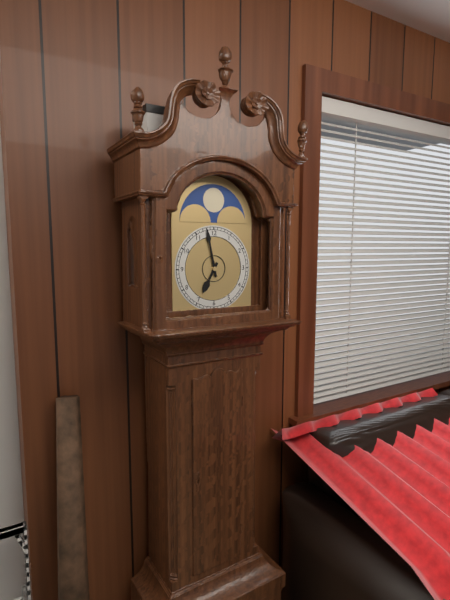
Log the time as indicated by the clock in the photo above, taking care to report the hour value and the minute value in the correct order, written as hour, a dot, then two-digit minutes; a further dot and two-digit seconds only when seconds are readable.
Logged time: 6.58
